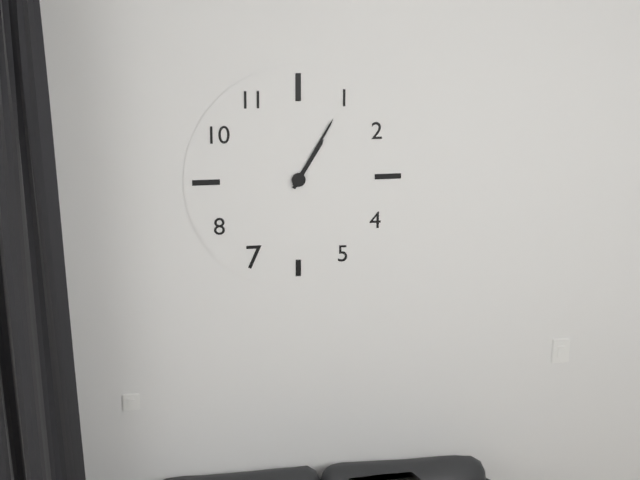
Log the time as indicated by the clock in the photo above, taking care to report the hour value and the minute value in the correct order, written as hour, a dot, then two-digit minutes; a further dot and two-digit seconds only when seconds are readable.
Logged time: 1.05
